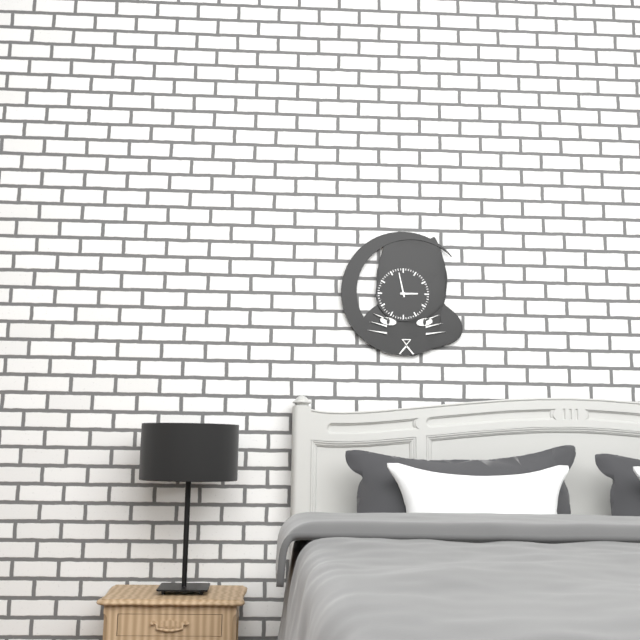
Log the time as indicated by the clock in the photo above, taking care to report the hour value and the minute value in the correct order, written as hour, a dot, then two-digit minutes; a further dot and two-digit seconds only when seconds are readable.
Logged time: 2.58
